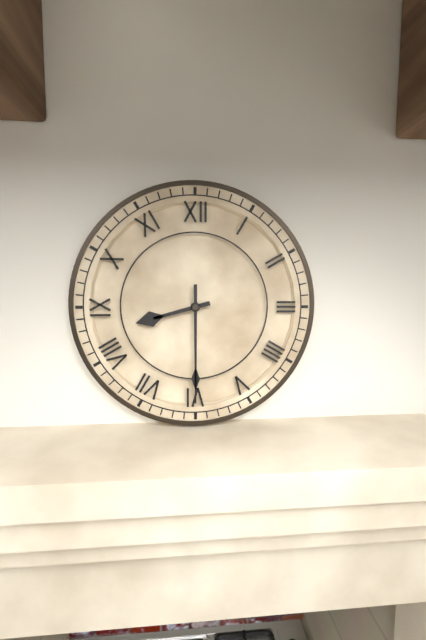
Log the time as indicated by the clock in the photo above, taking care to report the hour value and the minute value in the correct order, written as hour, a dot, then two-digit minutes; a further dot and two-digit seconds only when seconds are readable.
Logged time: 8.30
